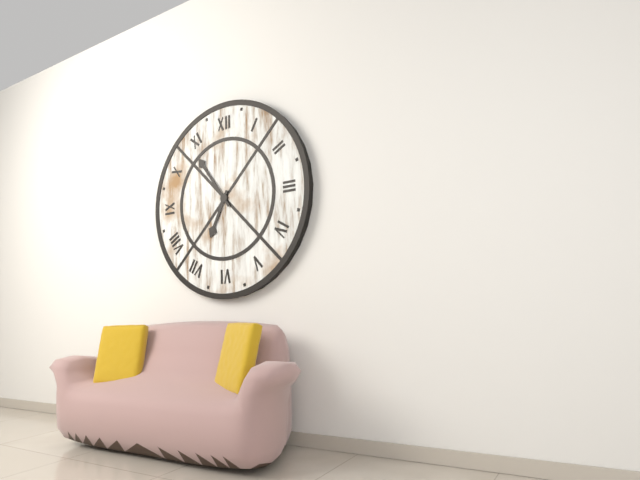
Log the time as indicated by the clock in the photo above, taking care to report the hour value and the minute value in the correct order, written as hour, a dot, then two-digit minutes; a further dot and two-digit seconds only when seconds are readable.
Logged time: 6.54
